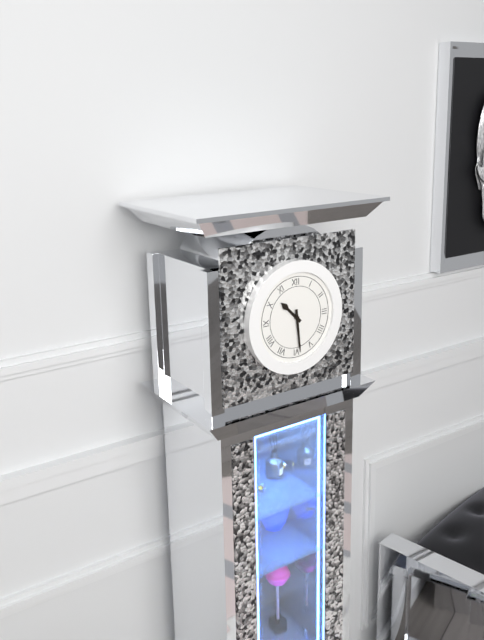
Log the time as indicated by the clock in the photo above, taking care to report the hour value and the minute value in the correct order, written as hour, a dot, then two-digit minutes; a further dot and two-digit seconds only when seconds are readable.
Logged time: 10.29
